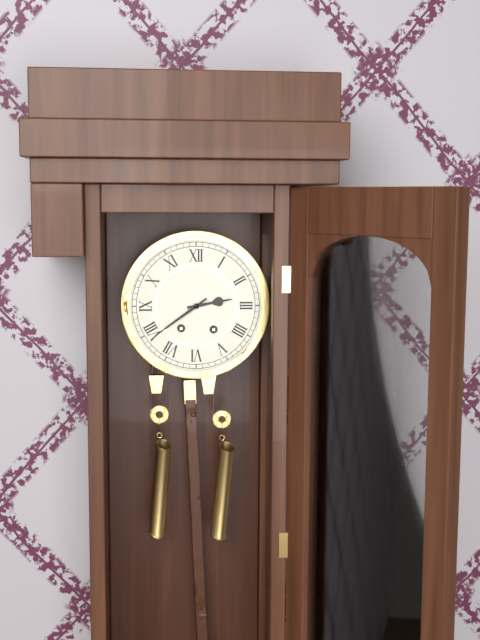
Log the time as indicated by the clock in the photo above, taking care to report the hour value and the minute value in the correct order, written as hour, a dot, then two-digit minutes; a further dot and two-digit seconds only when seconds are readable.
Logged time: 2.39
